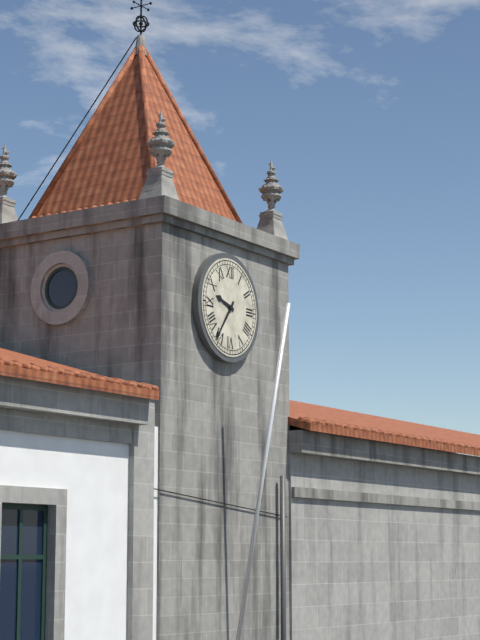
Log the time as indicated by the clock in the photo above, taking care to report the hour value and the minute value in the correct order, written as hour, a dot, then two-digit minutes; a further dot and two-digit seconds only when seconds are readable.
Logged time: 9.36
